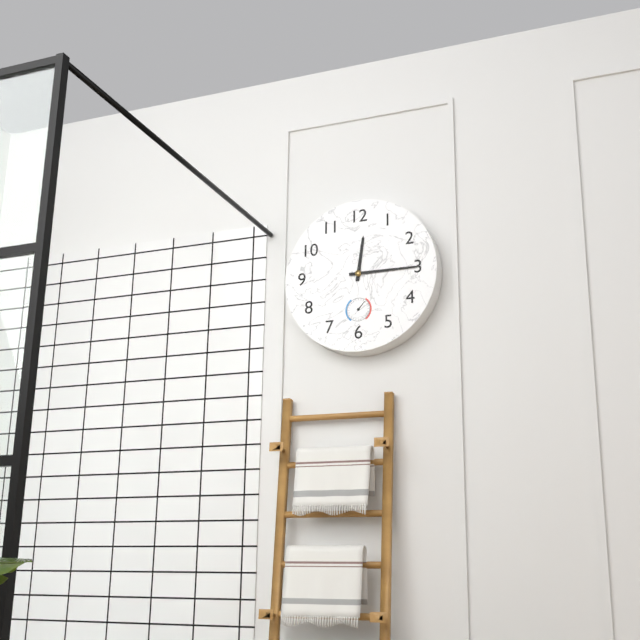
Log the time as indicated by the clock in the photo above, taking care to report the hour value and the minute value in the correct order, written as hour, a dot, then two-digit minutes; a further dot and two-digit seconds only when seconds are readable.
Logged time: 12.15
